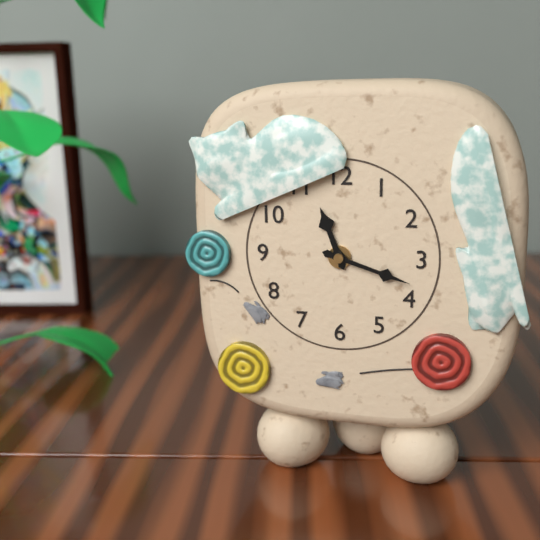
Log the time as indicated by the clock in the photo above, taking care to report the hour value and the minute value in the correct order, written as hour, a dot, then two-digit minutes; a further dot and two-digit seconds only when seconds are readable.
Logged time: 11.18
